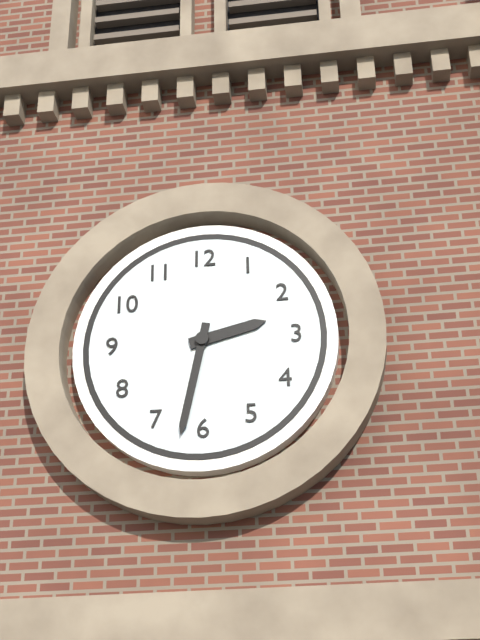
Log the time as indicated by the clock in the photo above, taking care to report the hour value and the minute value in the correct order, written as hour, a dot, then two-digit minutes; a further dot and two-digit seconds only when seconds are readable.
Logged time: 2.32
